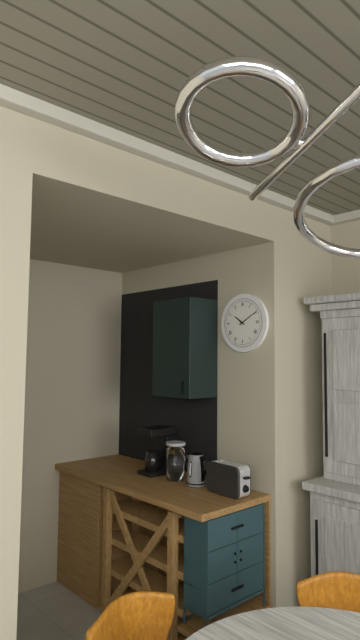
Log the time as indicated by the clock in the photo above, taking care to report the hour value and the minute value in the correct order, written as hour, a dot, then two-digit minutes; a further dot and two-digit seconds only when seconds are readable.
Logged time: 10.10
